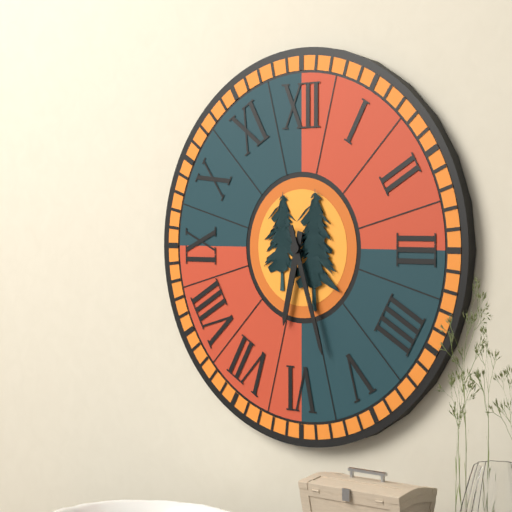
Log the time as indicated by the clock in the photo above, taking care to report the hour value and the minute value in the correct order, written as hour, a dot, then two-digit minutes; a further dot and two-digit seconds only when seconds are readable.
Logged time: 6.27
